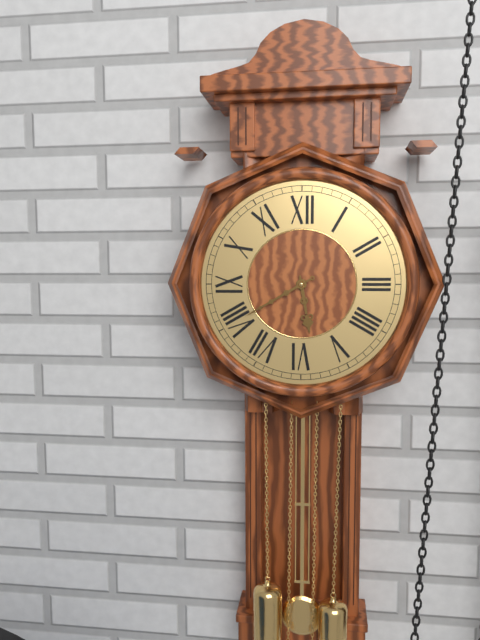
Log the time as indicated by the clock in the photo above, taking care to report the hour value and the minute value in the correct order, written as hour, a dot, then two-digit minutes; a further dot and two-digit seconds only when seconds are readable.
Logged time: 5.40
